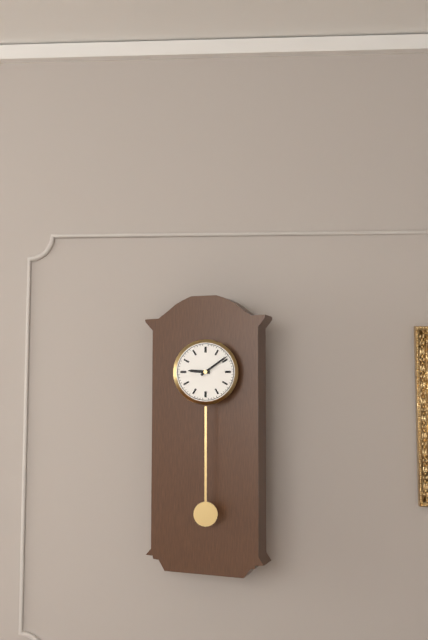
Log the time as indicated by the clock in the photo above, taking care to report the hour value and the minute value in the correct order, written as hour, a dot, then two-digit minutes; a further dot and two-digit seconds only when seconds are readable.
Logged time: 9.09
